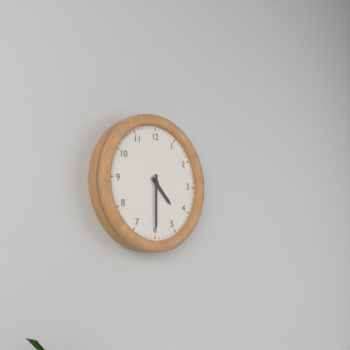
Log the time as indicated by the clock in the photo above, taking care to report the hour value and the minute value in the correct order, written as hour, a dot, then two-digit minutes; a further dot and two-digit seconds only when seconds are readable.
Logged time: 4.30
